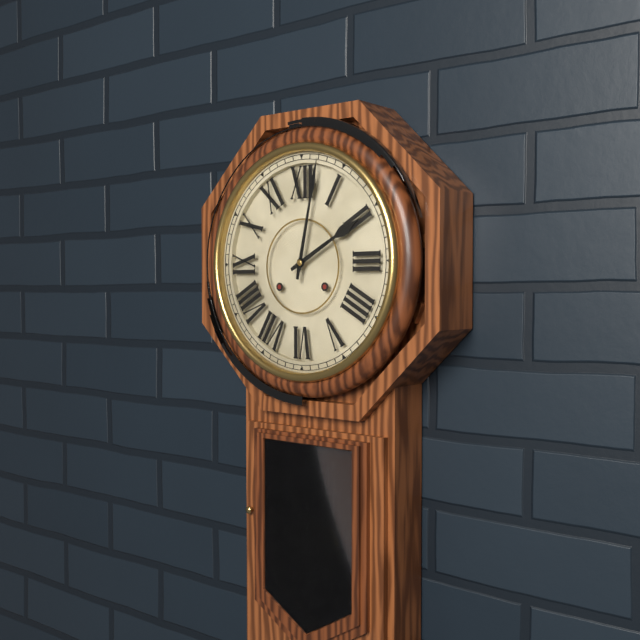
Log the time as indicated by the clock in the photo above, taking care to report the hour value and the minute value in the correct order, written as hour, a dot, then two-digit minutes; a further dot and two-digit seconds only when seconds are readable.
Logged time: 2.02
